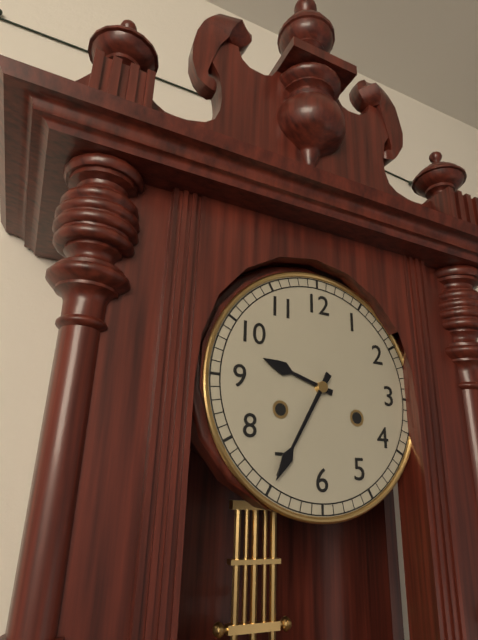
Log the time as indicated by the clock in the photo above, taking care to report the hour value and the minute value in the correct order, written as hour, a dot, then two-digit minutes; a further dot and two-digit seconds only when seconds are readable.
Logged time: 9.35
